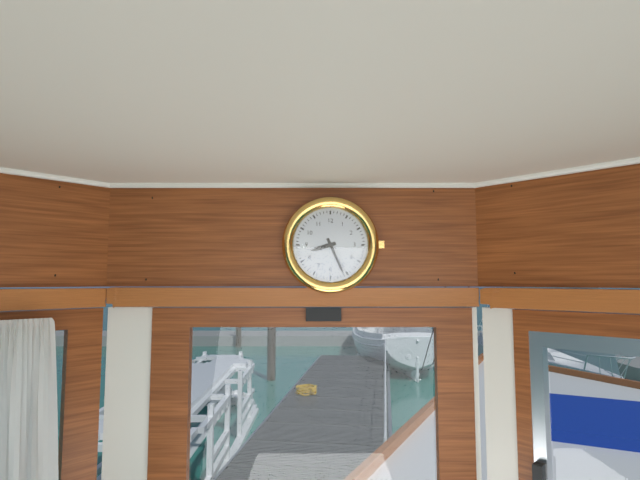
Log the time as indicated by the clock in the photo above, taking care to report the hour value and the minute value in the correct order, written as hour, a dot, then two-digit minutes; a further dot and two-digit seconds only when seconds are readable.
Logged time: 8.26
